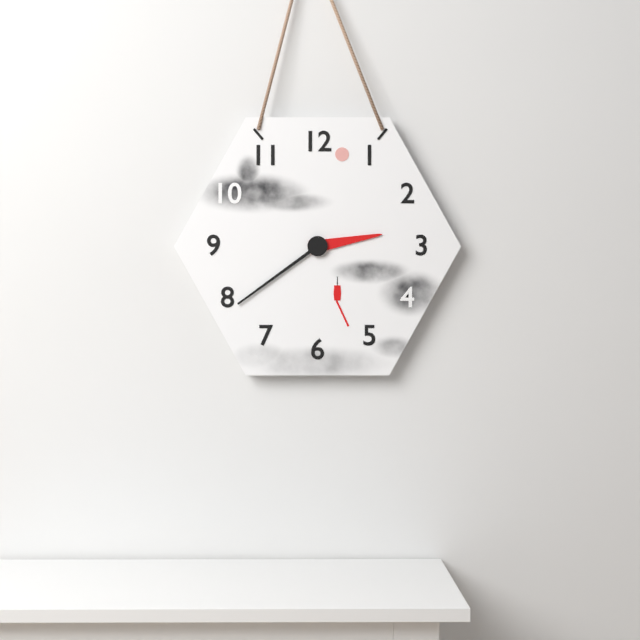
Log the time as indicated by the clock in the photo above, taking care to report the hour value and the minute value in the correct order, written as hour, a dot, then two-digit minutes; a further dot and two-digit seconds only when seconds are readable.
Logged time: 2.39
